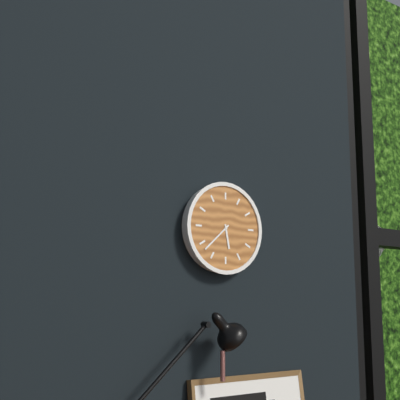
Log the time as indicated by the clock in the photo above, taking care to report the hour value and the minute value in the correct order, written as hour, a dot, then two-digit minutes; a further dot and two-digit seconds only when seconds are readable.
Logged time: 5.38
